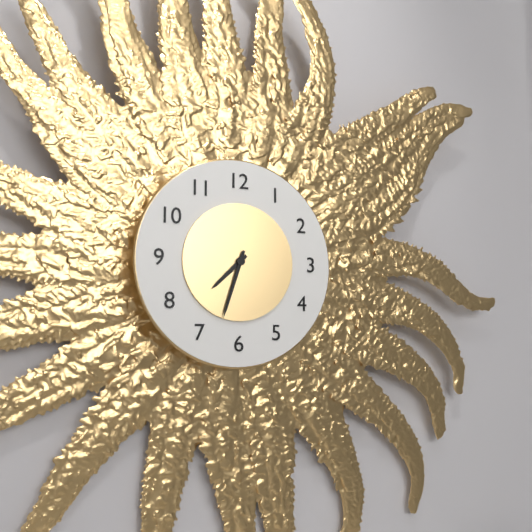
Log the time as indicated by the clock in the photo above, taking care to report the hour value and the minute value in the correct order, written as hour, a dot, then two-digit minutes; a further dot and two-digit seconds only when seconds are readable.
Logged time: 7.33
